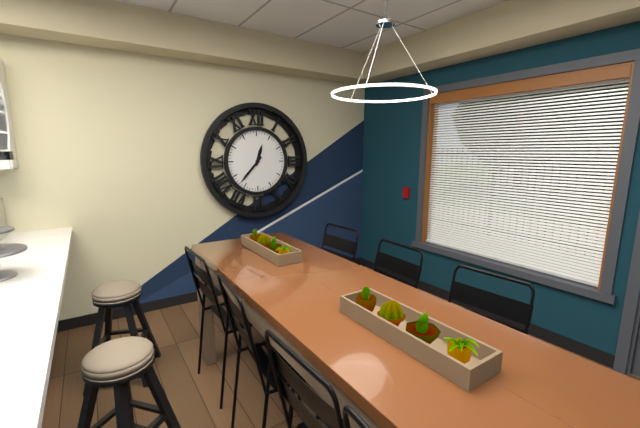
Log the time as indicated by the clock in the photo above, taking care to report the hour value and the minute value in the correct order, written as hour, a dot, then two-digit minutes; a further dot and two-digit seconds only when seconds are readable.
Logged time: 12.37
